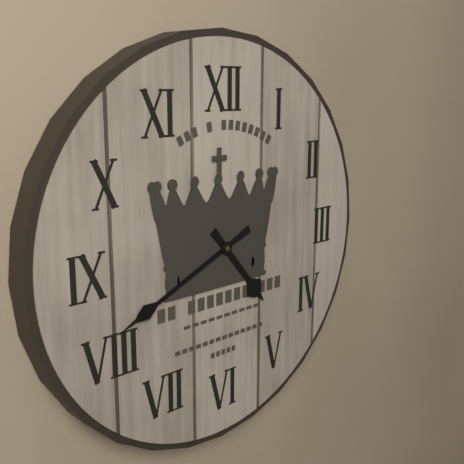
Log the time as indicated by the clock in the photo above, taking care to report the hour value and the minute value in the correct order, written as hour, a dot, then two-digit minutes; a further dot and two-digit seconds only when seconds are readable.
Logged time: 4.41
